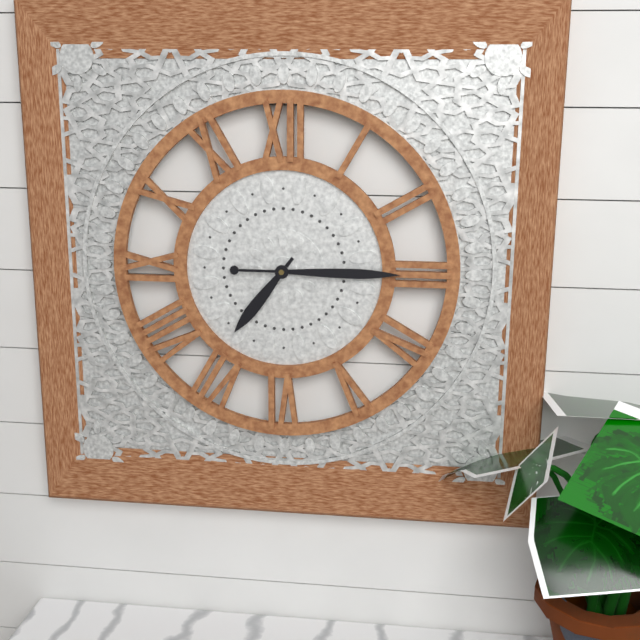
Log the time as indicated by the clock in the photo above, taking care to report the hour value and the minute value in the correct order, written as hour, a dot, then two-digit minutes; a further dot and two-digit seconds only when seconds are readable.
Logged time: 7.15
